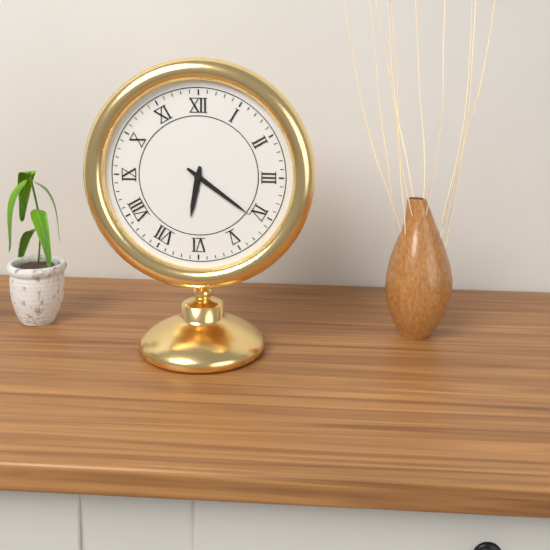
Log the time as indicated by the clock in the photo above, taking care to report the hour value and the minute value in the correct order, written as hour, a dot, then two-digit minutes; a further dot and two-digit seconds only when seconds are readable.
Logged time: 6.21
